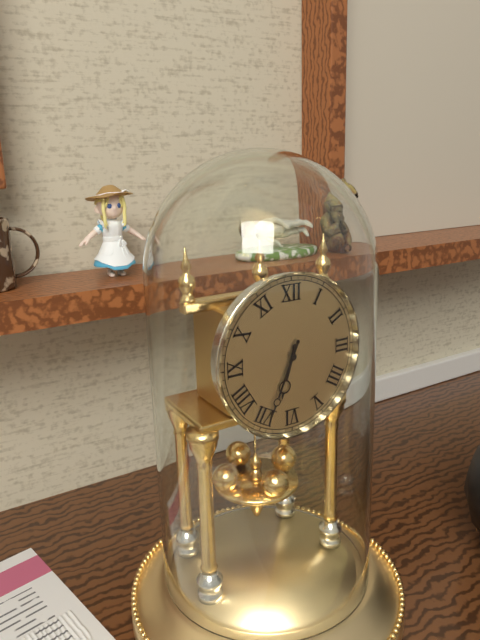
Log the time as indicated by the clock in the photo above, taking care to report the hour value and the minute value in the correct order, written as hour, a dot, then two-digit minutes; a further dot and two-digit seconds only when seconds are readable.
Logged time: 6.34
